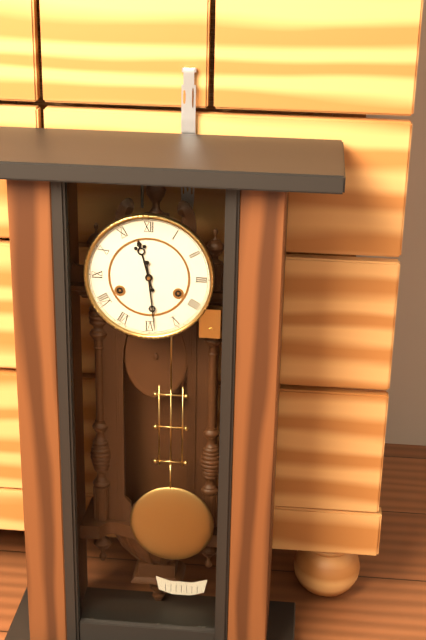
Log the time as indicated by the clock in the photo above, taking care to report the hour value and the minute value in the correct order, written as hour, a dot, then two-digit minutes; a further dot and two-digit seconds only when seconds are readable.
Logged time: 11.29
